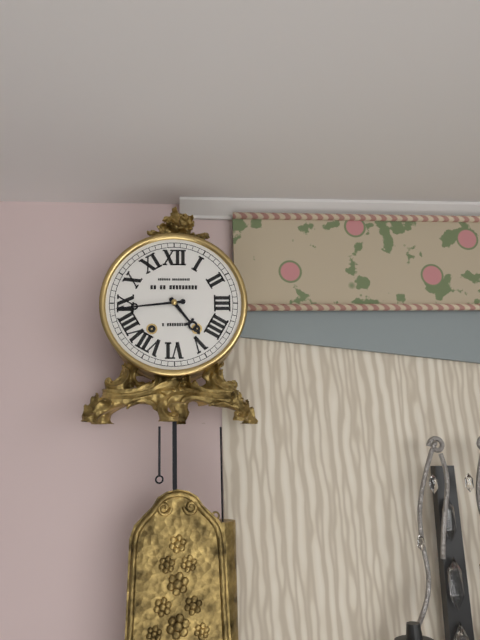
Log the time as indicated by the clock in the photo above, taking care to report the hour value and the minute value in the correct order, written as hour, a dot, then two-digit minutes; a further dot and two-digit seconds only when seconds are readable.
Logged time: 4.44
